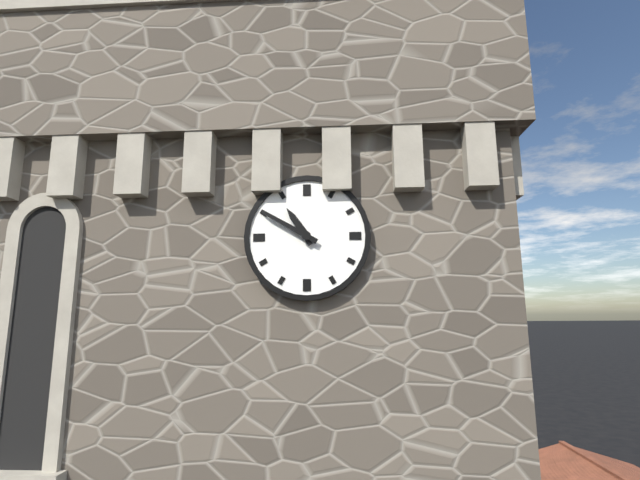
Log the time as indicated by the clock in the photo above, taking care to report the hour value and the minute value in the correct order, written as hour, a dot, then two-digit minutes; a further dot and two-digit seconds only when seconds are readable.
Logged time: 10.50
